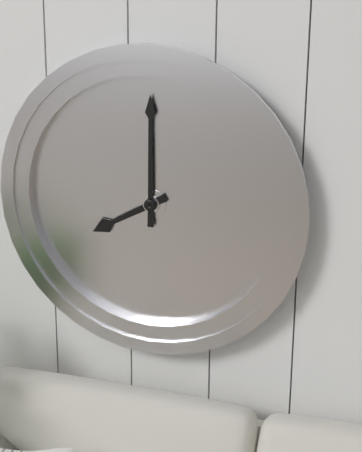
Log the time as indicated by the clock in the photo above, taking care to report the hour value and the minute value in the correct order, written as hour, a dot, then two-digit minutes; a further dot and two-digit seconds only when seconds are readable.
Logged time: 8.00
